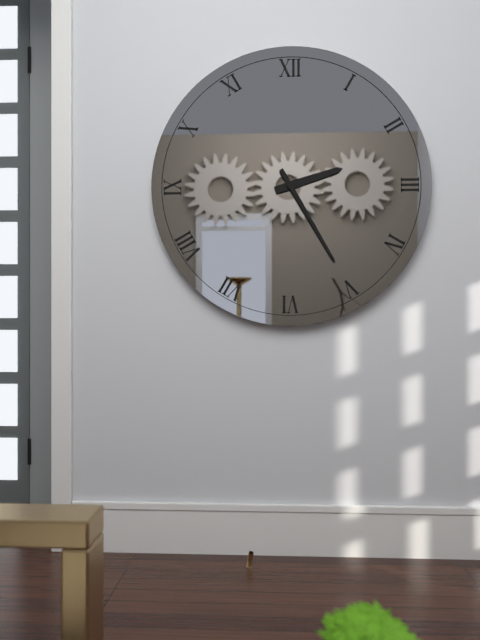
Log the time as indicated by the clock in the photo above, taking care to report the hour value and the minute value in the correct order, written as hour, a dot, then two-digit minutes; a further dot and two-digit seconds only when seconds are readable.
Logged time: 2.25
